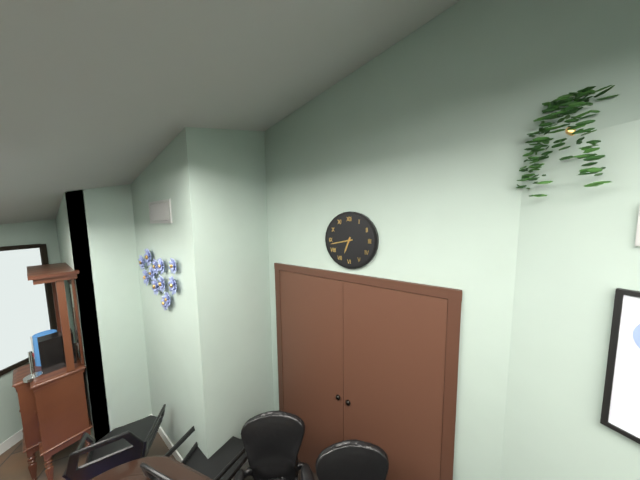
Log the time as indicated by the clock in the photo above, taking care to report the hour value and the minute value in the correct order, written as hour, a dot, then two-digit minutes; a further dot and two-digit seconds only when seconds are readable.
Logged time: 6.43
